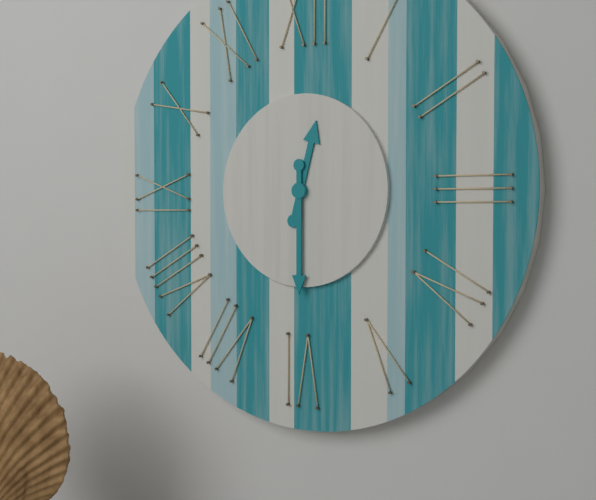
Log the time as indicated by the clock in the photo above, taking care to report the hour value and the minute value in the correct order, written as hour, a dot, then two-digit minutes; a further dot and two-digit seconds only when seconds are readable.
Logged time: 12.30
